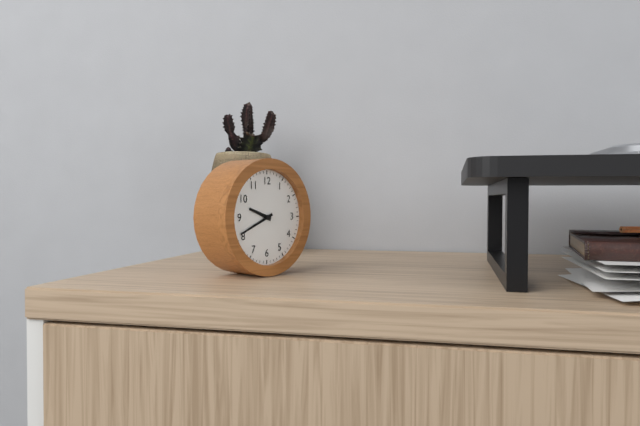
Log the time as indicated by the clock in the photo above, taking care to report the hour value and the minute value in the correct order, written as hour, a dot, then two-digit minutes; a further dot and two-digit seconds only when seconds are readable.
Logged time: 9.41
